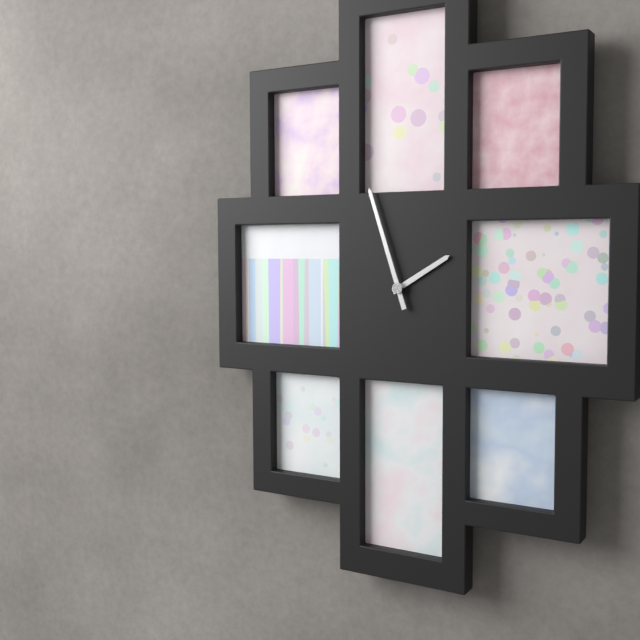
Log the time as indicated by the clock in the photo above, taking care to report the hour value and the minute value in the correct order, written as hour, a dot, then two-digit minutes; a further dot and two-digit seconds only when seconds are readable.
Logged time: 1.57
